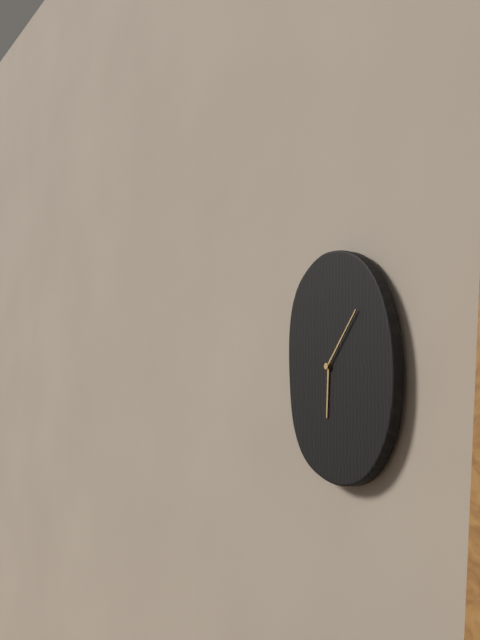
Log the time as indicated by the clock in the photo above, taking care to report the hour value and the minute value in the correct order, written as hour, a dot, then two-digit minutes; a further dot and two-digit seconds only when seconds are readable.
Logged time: 6.07
